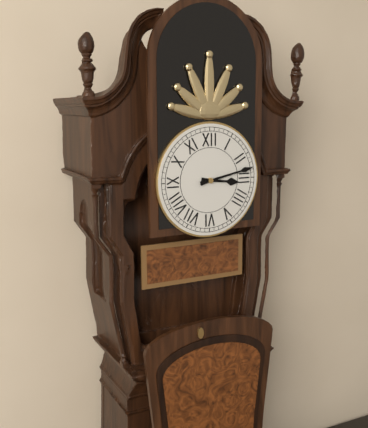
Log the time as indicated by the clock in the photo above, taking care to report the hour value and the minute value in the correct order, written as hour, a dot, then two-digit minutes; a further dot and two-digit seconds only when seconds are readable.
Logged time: 3.13
